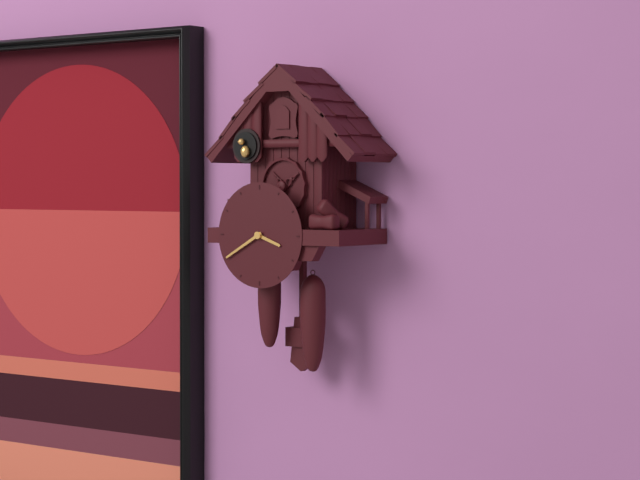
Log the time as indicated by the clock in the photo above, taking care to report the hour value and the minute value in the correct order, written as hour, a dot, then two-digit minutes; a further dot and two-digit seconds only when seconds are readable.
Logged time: 3.40
